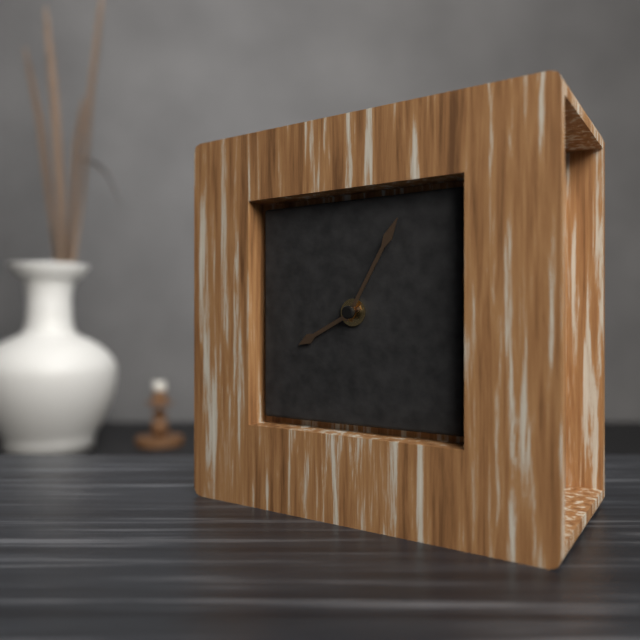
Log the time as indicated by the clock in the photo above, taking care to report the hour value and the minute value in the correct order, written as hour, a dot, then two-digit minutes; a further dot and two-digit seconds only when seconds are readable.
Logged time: 8.05
